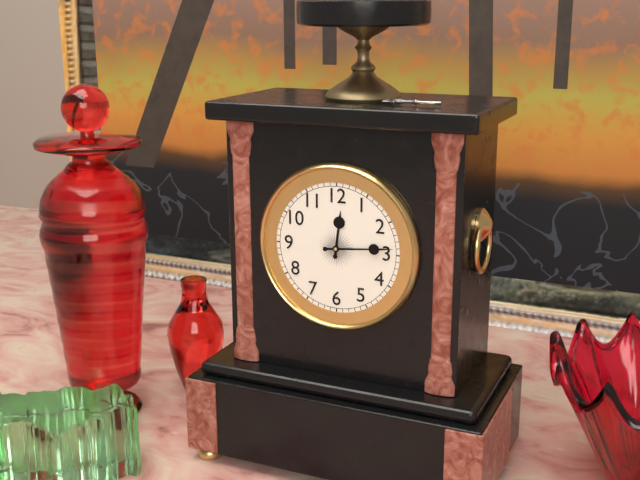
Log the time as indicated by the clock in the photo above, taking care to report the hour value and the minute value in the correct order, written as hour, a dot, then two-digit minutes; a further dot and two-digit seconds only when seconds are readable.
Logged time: 12.14
